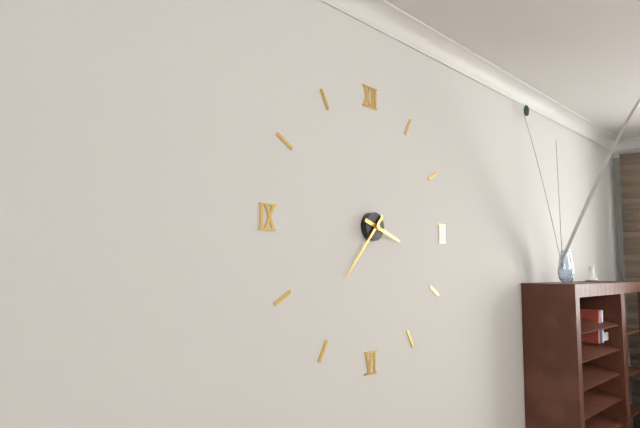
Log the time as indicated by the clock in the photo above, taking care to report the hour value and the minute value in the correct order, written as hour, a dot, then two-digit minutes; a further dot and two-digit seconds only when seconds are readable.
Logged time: 3.37
